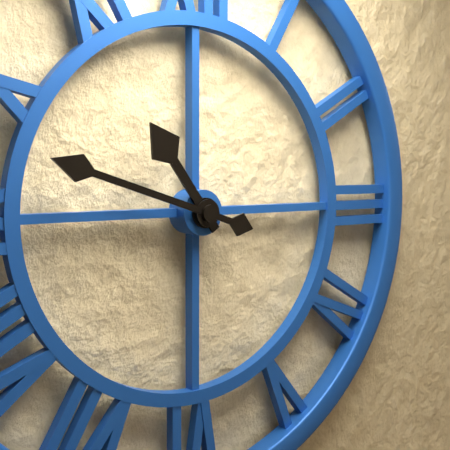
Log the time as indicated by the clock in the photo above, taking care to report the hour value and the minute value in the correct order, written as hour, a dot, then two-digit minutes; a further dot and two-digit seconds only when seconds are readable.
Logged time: 10.48
